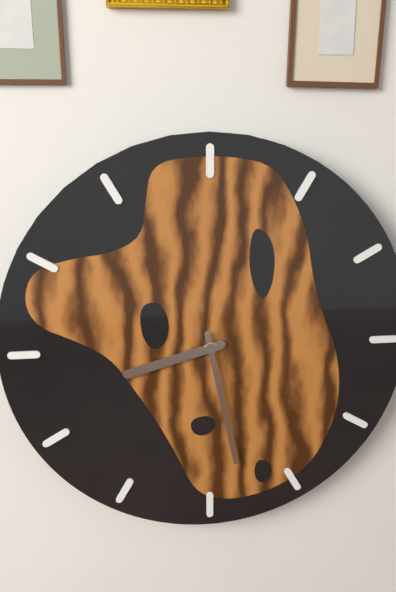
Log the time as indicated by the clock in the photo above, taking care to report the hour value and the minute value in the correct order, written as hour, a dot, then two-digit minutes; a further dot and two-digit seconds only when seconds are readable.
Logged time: 8.28
